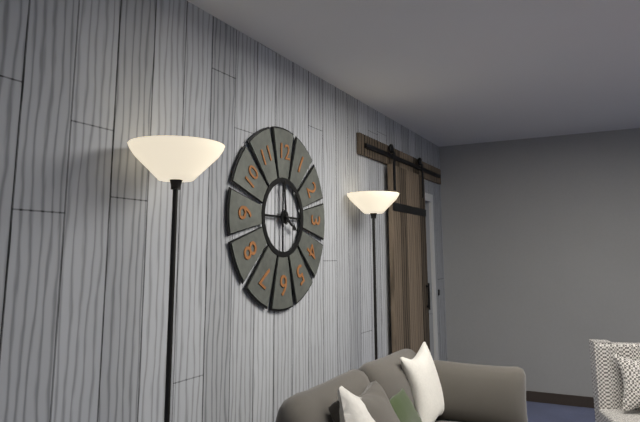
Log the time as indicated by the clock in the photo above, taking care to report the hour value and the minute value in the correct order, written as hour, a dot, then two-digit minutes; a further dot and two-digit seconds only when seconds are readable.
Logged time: 3.59
